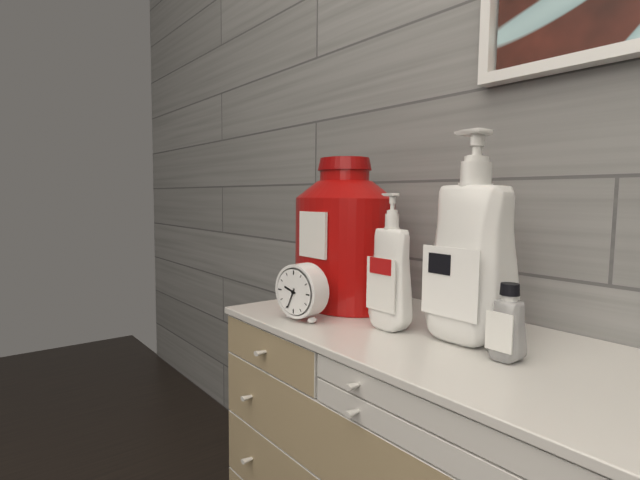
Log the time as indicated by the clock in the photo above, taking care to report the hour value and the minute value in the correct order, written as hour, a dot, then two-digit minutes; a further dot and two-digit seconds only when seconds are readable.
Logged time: 9.34
